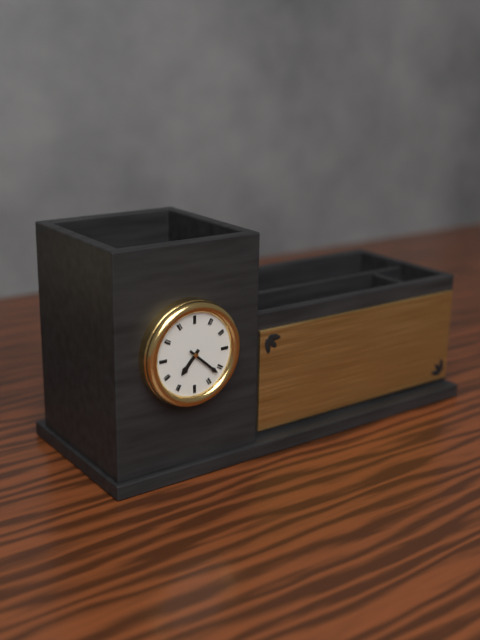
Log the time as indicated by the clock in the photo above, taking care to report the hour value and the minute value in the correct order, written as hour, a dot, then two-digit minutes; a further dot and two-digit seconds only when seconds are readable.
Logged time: 7.22
